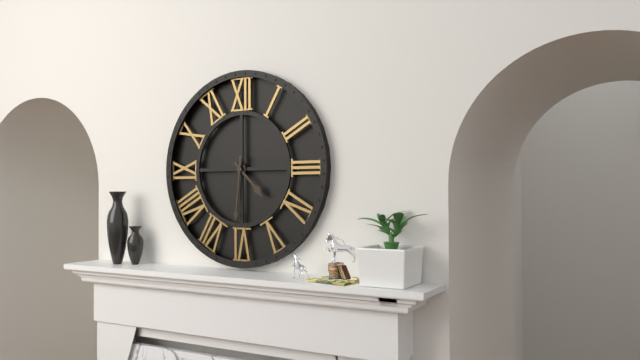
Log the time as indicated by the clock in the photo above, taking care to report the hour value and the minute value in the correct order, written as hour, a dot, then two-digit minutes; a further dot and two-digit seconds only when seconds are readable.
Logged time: 4.31
